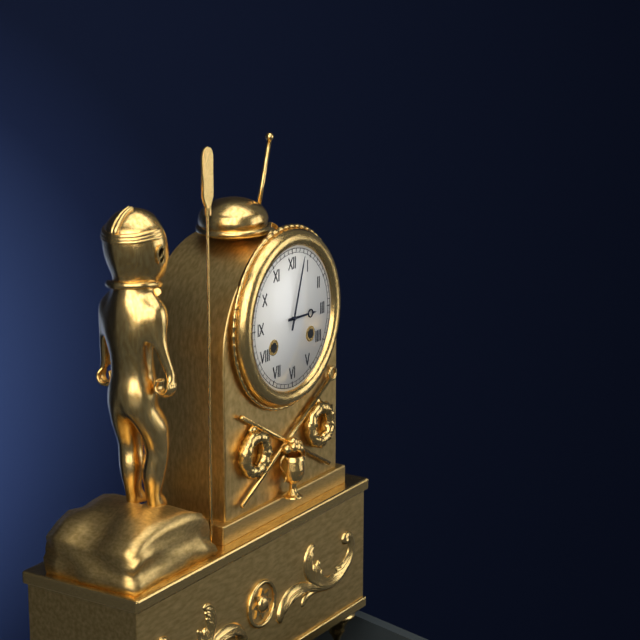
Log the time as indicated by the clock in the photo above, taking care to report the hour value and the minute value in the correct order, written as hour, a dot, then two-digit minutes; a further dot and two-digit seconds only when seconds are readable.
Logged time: 3.03
